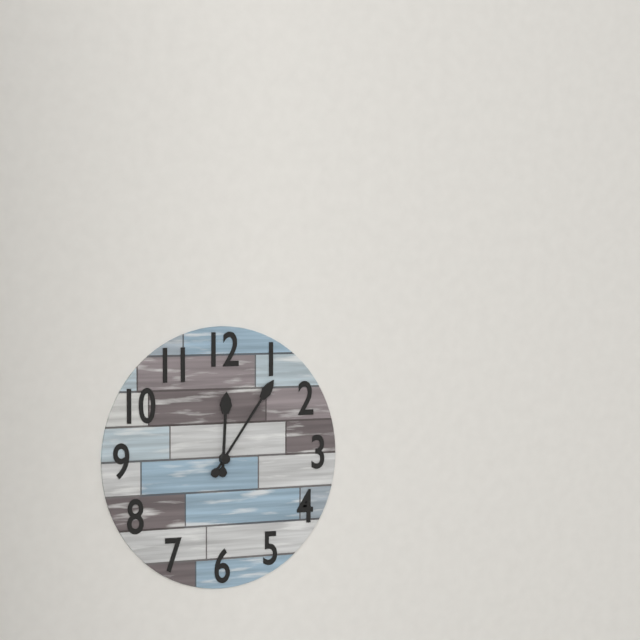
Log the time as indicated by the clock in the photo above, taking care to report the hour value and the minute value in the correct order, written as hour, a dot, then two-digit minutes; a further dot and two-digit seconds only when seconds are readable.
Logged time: 12.06
